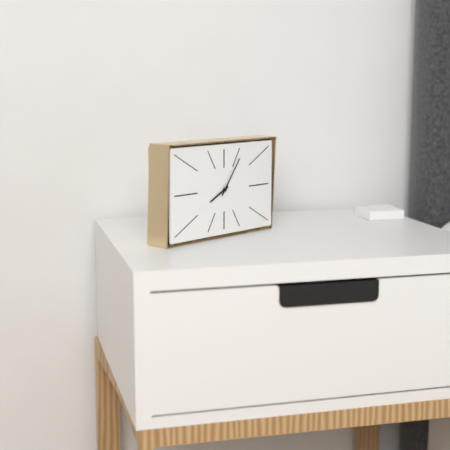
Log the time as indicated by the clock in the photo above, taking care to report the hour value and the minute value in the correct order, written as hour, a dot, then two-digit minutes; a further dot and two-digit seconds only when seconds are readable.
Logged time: 8.06
